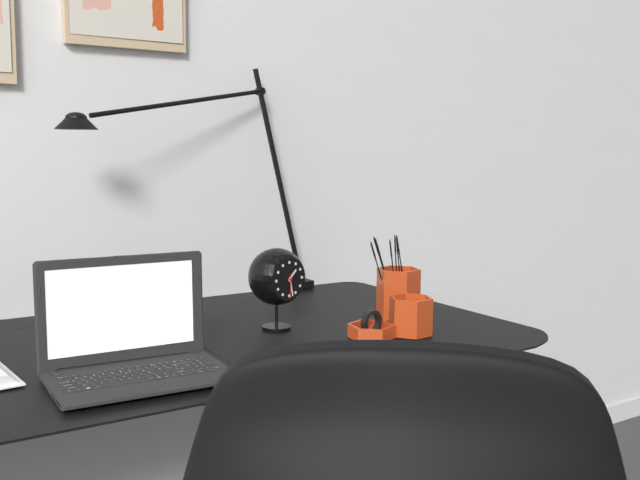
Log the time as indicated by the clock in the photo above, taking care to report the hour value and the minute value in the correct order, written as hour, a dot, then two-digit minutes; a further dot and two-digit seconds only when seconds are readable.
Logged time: 1.28
